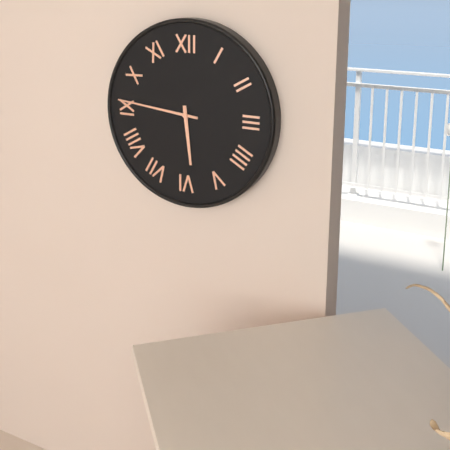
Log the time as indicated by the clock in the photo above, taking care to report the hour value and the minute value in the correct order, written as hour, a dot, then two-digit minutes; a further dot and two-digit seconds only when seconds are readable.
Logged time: 5.46
